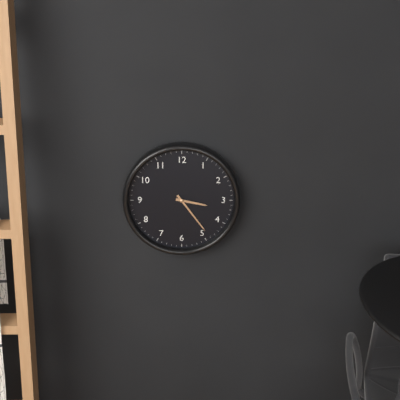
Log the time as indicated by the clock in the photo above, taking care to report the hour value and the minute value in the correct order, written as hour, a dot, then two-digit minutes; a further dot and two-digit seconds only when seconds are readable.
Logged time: 3.24
